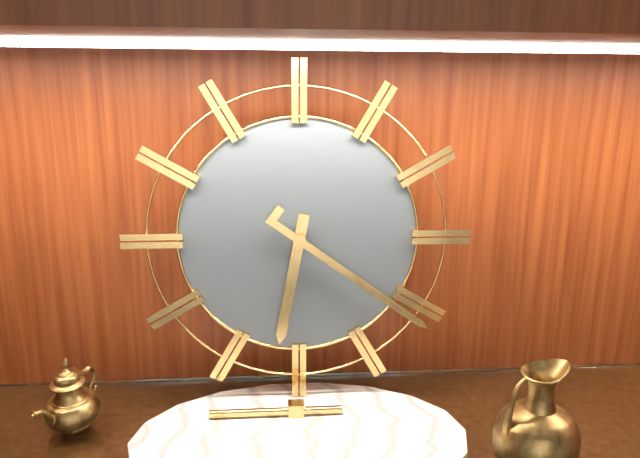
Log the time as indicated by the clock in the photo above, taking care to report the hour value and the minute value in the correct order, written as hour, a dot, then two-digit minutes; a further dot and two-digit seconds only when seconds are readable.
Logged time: 6.21
